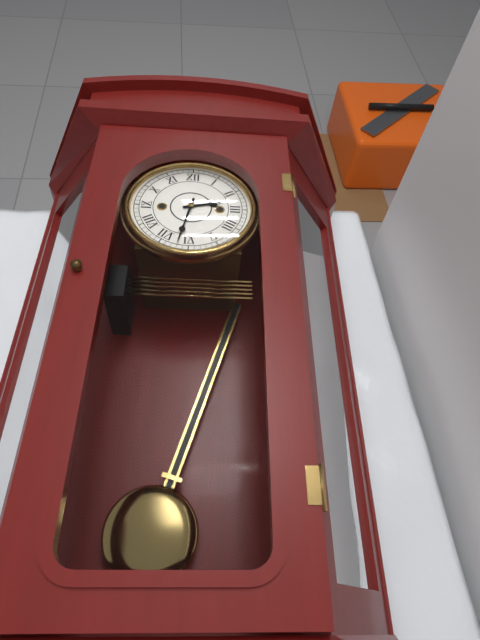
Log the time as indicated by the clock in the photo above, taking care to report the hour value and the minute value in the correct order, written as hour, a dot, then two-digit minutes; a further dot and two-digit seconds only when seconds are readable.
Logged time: 2.32
